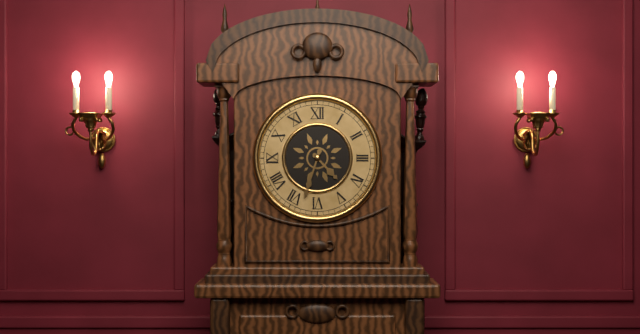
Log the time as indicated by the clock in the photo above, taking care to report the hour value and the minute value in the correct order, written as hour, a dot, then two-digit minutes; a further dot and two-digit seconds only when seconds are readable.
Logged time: 4.33
